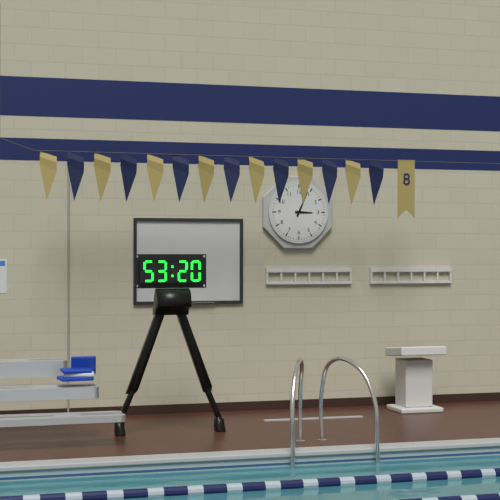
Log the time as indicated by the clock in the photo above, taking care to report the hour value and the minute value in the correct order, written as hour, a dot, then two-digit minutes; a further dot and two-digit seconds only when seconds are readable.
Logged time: 3.04
